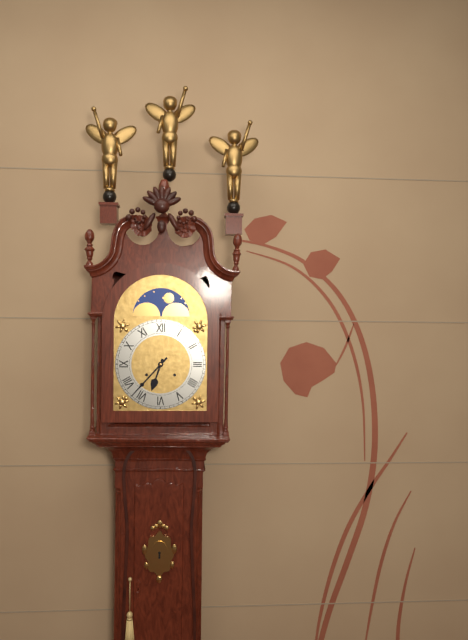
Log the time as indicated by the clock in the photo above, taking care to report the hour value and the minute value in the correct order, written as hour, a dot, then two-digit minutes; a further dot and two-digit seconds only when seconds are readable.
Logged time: 6.37
